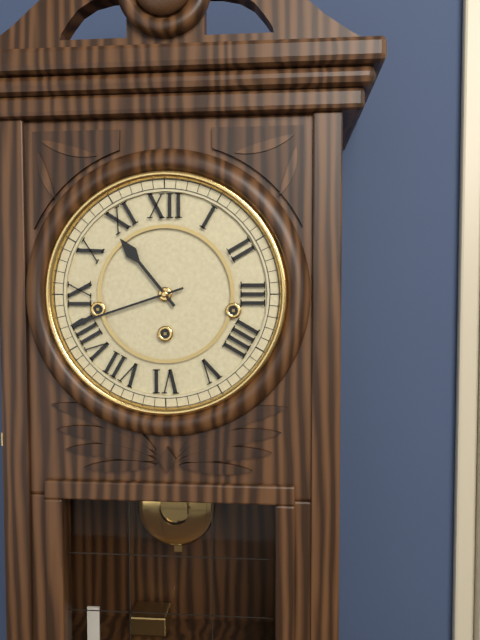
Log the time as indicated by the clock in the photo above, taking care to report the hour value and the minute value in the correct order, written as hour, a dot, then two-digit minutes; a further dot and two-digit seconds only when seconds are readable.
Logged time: 10.42
